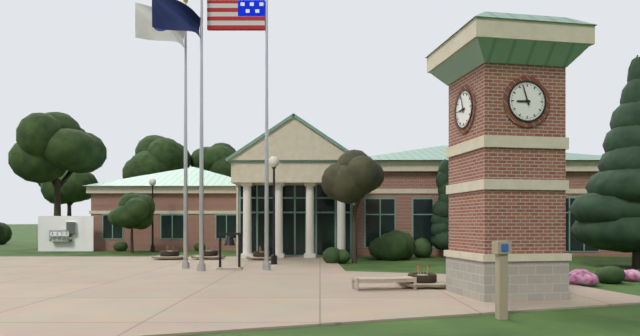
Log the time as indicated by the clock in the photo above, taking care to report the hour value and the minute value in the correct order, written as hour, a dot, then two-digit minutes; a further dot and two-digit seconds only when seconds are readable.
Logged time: 8.57
